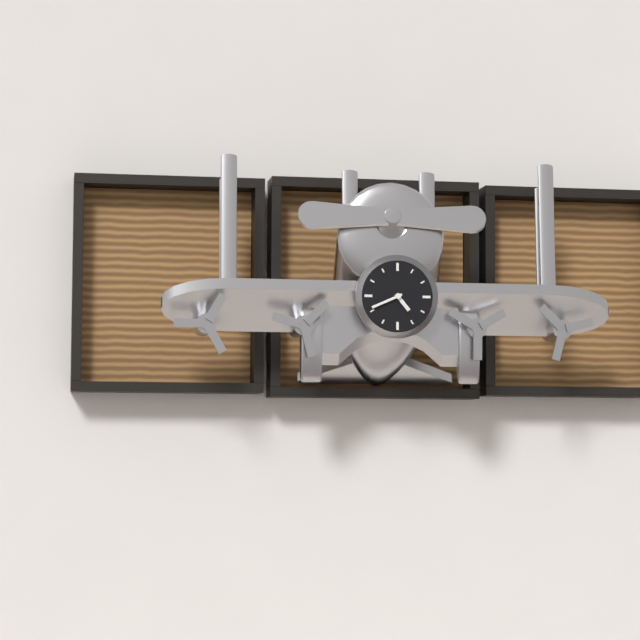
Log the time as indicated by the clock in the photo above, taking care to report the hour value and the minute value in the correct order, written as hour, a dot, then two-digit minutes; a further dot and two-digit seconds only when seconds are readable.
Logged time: 4.41
